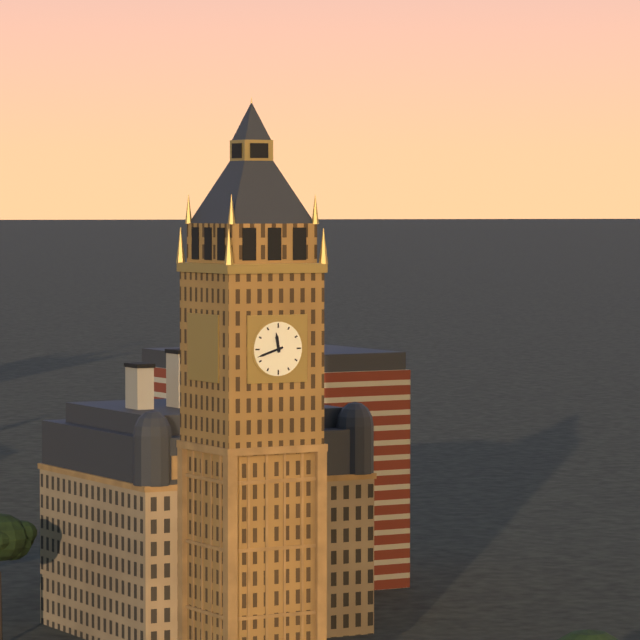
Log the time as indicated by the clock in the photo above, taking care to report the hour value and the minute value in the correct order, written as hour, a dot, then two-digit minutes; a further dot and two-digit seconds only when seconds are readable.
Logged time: 11.42
